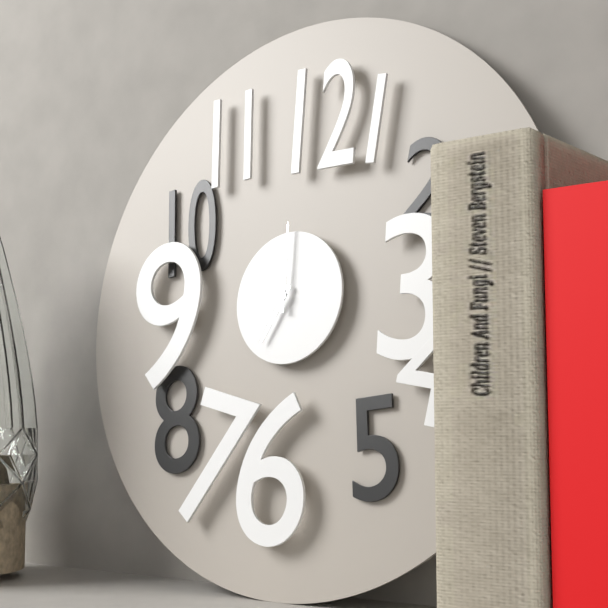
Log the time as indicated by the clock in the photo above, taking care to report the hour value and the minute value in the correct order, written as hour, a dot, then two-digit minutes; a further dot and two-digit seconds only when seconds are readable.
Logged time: 7.00
